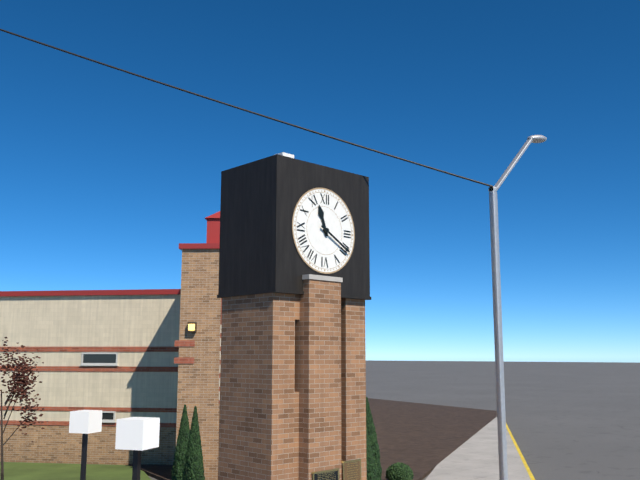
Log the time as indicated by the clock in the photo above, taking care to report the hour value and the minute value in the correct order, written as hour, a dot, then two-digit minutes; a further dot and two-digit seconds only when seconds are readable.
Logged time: 11.20
